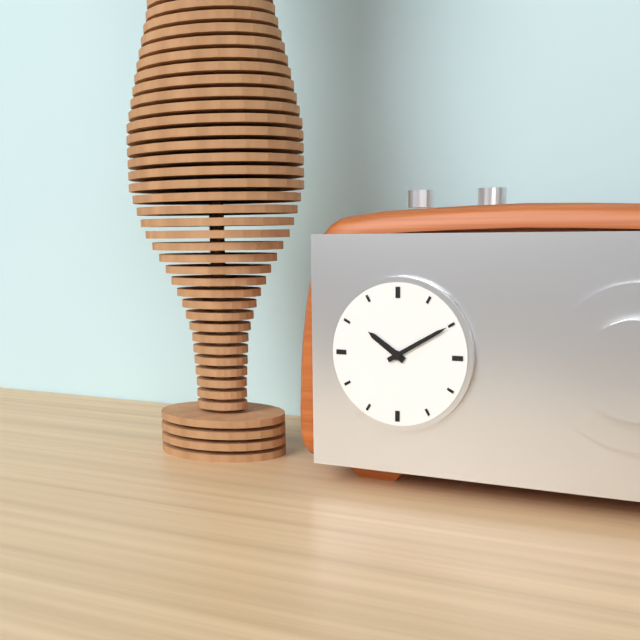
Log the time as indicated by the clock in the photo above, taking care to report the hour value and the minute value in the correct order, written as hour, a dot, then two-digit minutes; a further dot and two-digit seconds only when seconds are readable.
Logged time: 10.10
